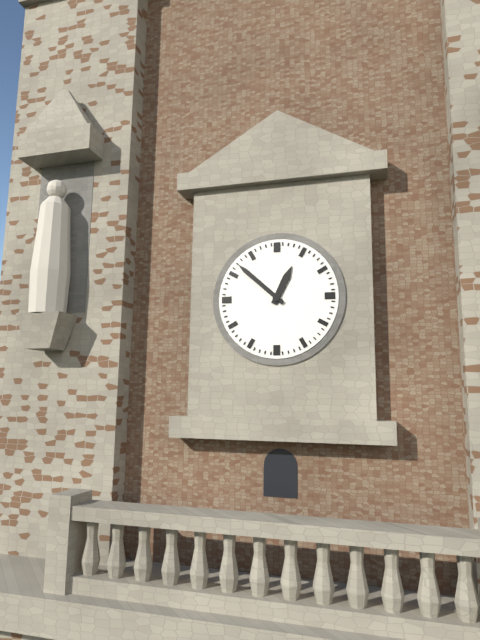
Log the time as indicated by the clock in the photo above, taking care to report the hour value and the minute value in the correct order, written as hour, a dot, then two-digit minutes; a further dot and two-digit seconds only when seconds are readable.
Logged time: 12.52
